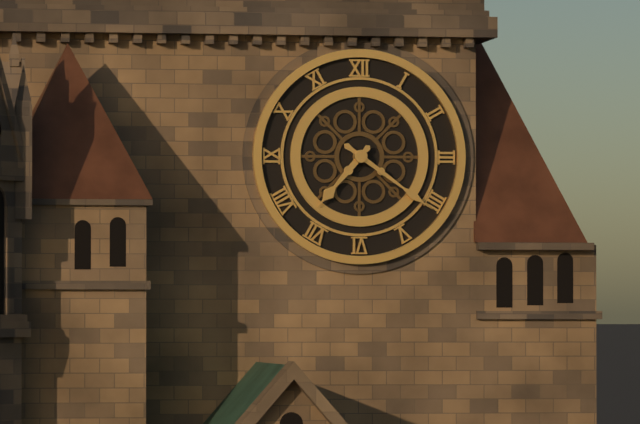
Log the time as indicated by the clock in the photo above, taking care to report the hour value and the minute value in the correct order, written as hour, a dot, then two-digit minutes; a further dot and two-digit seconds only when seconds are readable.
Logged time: 7.21
